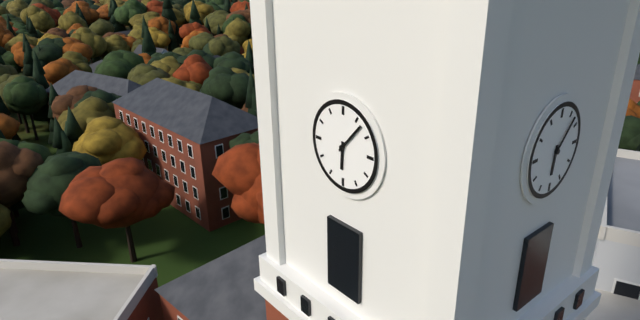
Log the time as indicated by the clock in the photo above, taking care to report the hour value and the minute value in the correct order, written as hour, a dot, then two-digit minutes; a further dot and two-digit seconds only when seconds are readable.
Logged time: 6.07
